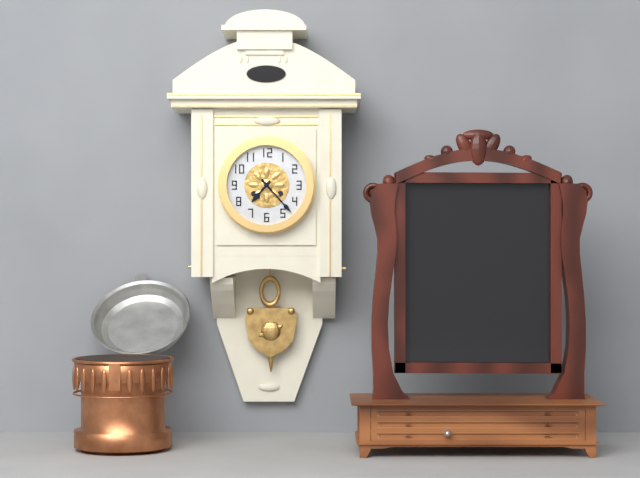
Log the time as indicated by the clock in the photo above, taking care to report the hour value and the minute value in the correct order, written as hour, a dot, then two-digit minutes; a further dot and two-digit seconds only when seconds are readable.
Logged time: 7.23
